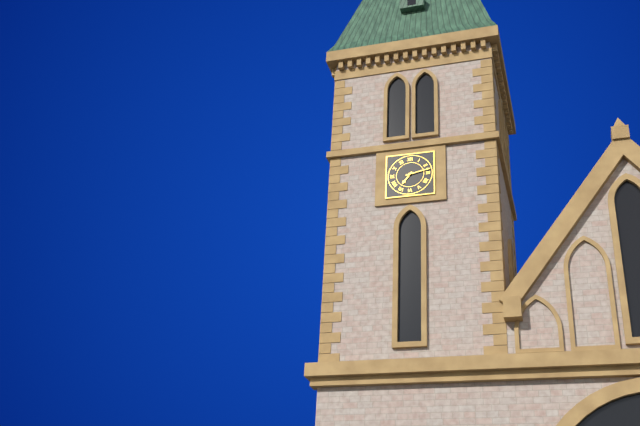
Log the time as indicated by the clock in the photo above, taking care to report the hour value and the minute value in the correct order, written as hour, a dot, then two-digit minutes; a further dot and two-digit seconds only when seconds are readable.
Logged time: 7.13
